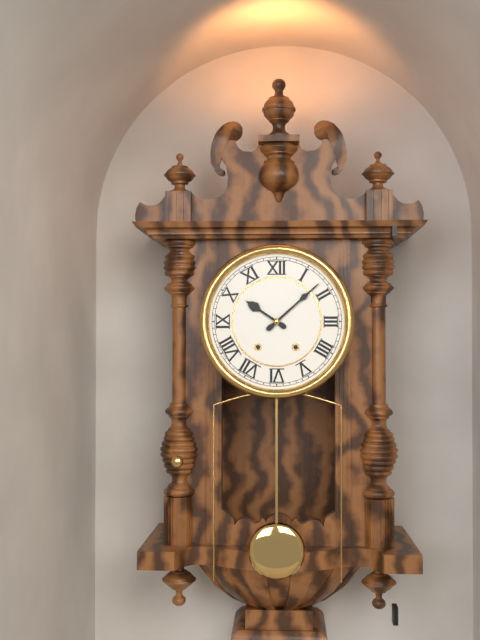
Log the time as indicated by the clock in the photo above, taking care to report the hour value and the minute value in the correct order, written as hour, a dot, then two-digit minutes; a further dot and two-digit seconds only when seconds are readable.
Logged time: 10.08
